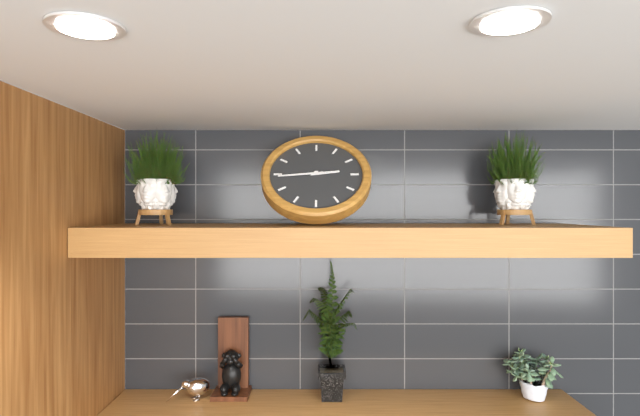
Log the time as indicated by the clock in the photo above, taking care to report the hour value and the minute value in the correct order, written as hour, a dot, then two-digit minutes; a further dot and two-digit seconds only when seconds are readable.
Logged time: 2.44
